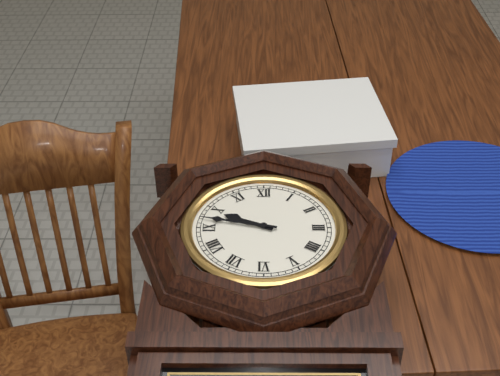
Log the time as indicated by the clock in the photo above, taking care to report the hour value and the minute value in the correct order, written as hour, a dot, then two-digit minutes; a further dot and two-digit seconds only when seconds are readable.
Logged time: 9.47
